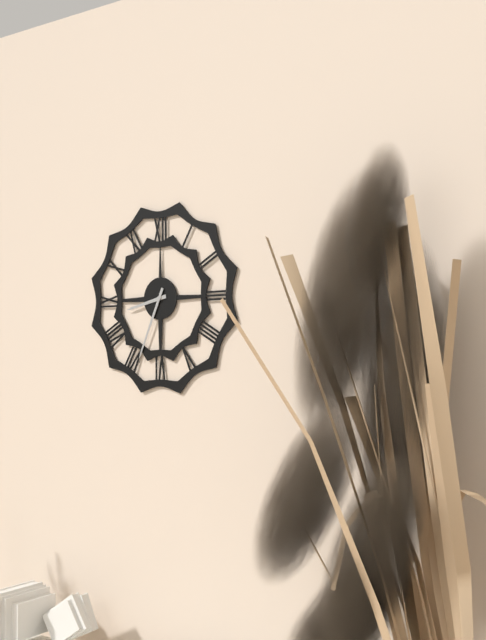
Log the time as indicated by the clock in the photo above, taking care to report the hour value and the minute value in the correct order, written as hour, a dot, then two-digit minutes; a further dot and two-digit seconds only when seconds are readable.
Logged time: 8.34
